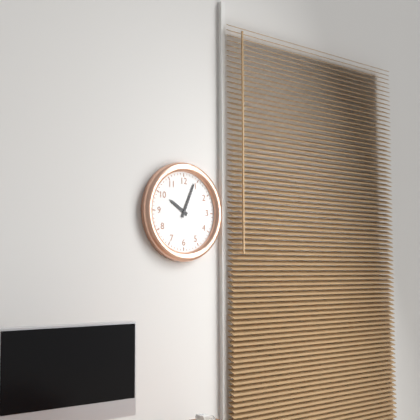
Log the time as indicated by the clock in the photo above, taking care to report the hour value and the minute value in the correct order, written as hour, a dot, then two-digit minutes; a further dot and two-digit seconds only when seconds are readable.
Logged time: 10.04
